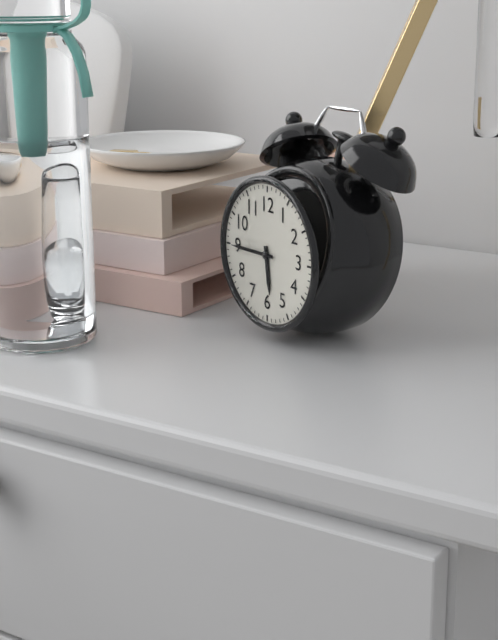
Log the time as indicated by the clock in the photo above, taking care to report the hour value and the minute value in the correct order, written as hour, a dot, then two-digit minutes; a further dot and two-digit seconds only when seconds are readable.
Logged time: 5.45
